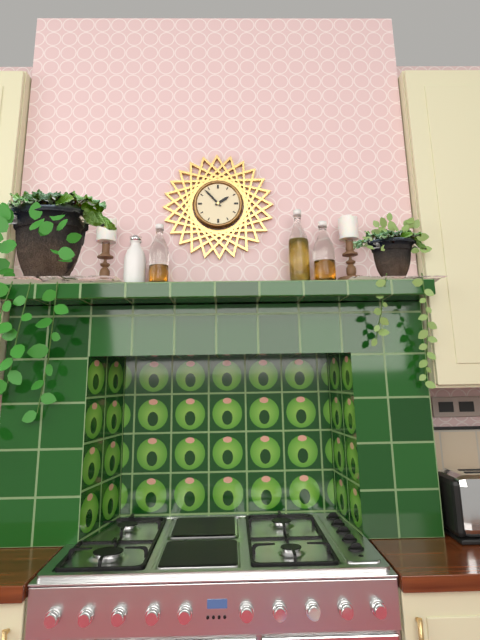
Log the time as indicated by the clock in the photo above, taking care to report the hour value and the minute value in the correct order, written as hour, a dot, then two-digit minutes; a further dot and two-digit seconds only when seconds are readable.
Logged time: 1.53
